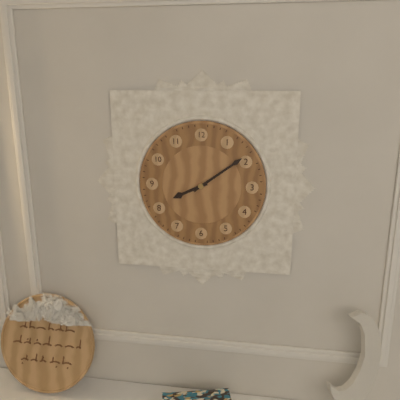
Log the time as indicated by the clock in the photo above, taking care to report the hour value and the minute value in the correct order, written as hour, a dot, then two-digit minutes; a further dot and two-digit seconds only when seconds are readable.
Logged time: 8.09
